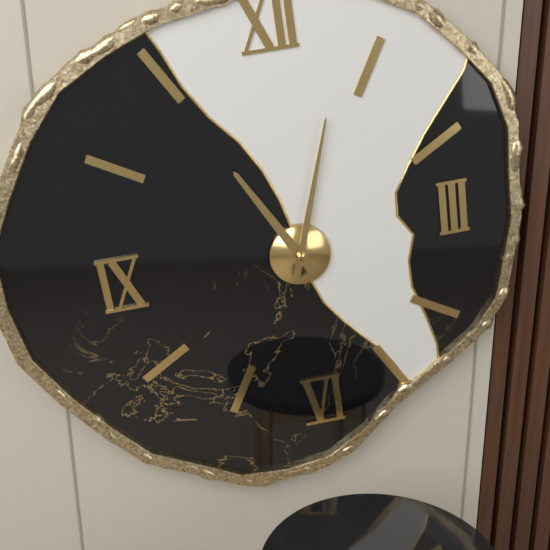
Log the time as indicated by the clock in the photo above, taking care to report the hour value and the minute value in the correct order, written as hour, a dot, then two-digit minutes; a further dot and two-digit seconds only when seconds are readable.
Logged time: 11.03
